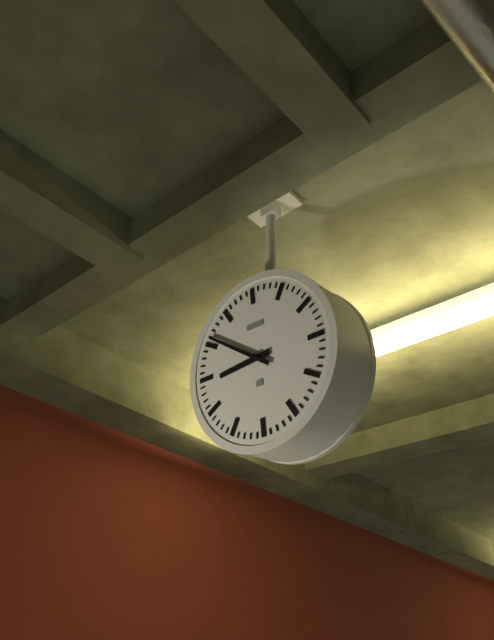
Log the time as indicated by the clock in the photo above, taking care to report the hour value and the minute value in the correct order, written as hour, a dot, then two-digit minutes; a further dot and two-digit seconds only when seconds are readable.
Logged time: 8.51
